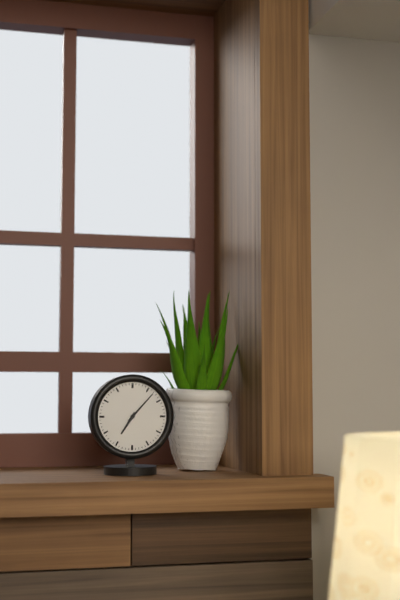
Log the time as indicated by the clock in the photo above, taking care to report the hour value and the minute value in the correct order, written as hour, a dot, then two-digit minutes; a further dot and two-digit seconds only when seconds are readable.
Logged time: 7.07
